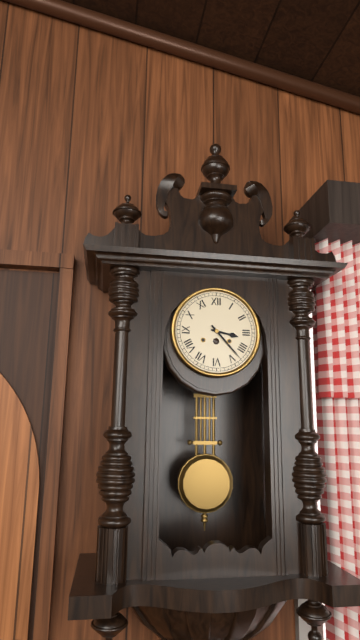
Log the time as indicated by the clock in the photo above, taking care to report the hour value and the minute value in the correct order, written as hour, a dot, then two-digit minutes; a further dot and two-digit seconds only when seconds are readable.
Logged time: 3.23
